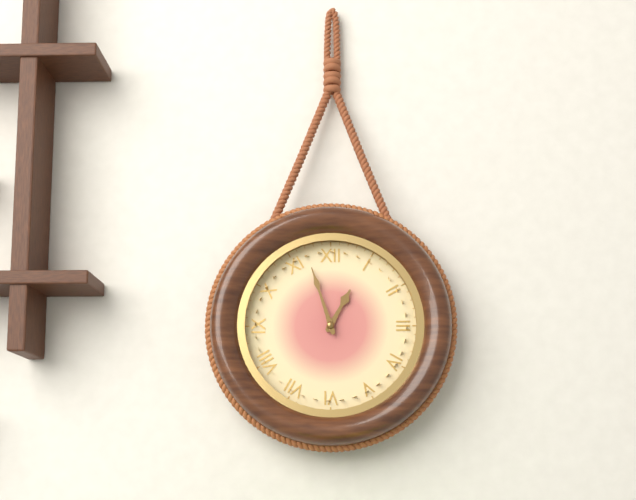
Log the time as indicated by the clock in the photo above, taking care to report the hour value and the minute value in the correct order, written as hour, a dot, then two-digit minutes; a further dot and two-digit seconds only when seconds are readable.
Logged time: 12.57
